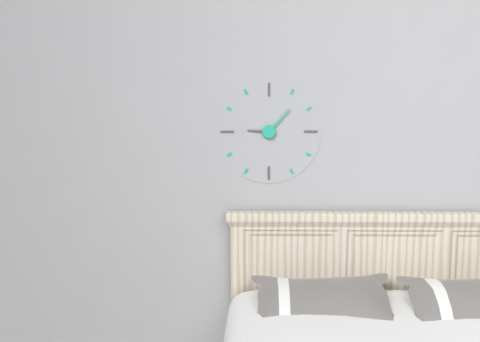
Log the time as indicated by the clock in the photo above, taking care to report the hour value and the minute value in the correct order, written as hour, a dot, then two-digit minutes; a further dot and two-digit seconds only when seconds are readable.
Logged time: 9.07
